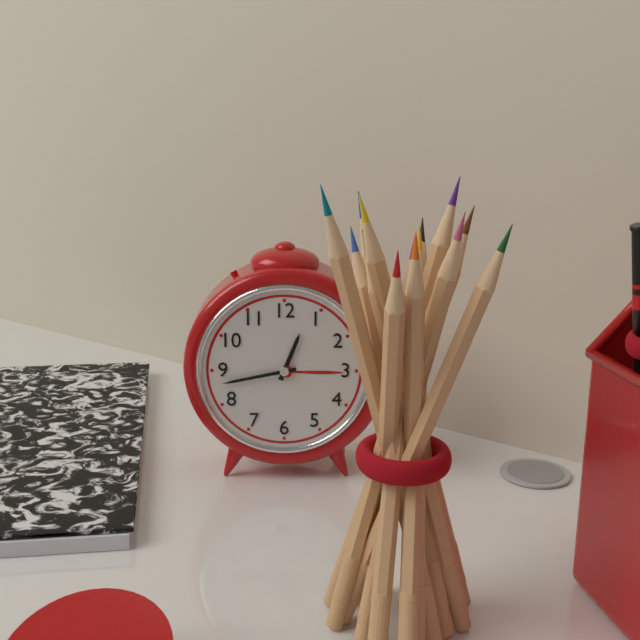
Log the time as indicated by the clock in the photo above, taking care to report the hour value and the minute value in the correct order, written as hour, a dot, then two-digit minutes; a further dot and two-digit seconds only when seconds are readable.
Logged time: 12.43
